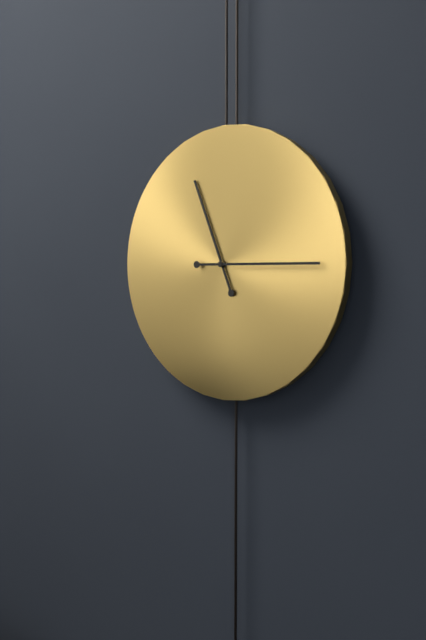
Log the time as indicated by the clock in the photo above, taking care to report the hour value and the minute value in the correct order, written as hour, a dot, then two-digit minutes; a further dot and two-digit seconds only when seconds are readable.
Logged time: 11.15
